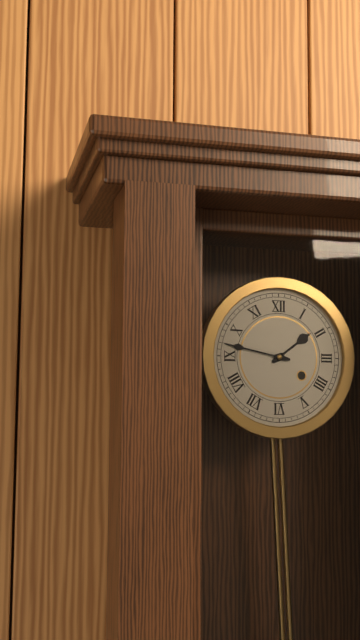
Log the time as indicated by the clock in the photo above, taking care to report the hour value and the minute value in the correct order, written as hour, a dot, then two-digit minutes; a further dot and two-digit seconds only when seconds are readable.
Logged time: 1.47
